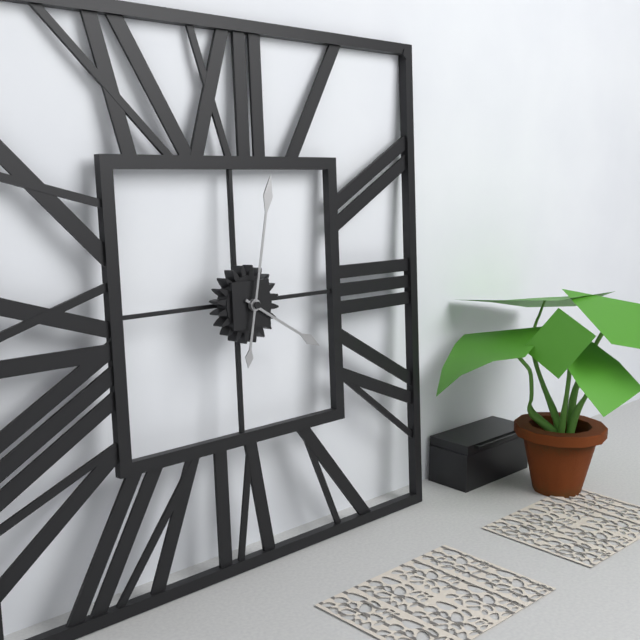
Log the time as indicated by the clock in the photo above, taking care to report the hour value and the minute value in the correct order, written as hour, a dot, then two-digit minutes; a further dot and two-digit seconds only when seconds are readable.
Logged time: 4.02
